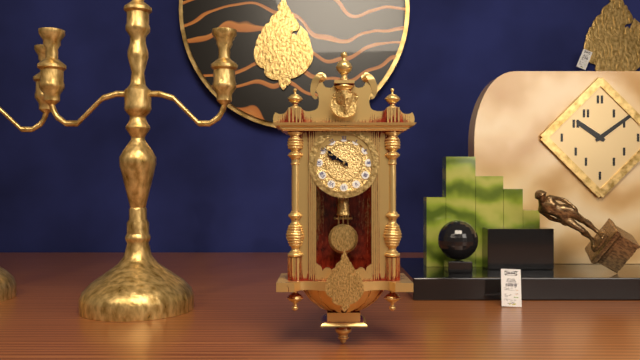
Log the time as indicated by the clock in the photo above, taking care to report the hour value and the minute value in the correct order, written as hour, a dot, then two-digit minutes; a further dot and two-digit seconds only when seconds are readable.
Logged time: 9.51
